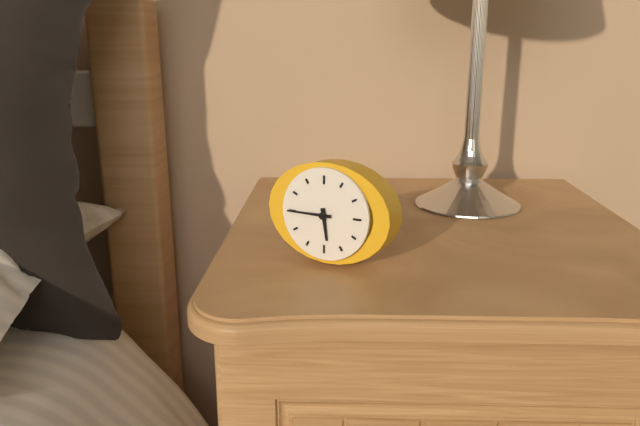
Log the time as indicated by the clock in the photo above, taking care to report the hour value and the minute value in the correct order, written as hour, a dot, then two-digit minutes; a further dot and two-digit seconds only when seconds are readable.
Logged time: 5.45
